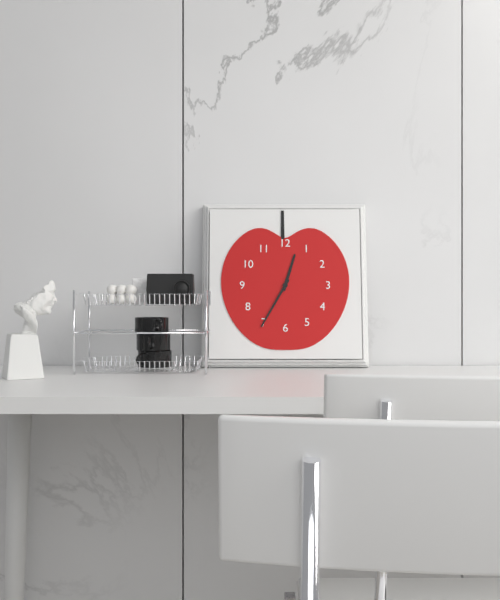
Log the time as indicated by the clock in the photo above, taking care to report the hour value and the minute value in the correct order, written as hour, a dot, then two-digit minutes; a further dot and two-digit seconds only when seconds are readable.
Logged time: 12.35
